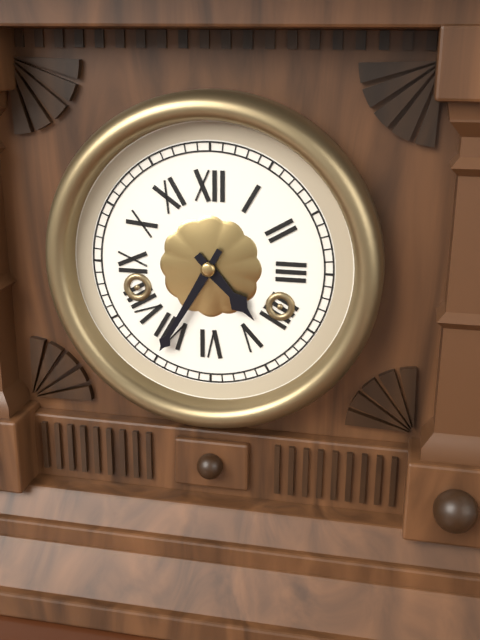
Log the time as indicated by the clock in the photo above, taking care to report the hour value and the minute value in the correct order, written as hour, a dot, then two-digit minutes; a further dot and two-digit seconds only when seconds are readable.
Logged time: 4.35
